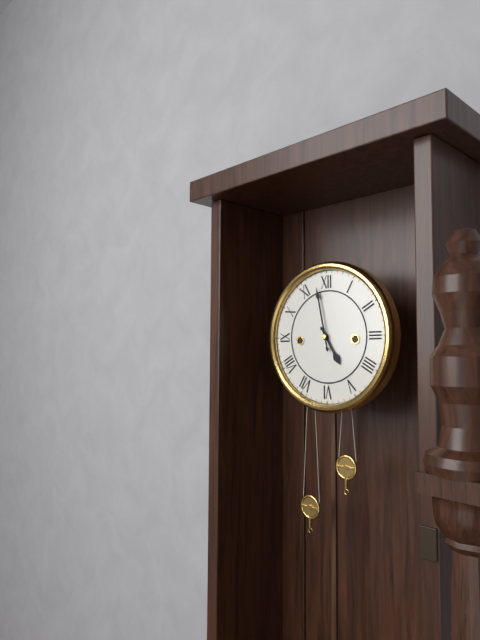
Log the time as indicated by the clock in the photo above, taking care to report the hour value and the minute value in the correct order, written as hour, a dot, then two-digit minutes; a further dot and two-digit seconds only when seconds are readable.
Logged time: 4.58
